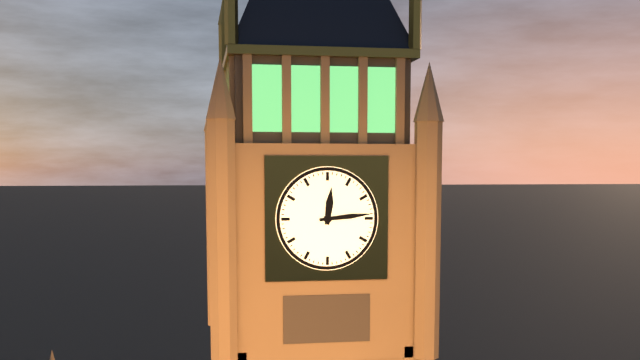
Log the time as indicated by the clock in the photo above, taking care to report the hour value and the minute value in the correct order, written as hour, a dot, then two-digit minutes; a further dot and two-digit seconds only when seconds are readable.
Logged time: 12.14
